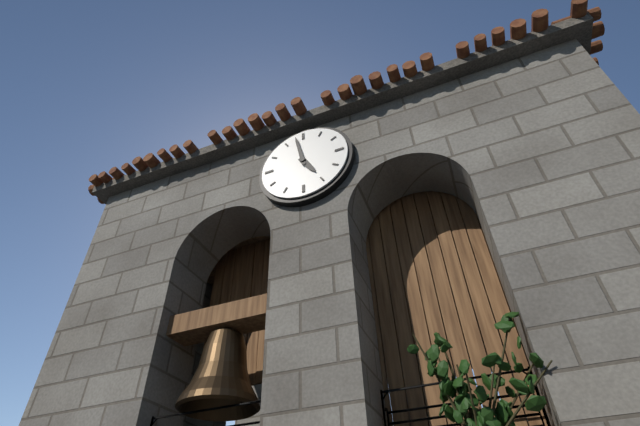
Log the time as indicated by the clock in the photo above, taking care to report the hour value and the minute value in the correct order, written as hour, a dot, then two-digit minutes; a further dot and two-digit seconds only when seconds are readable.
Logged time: 4.58
